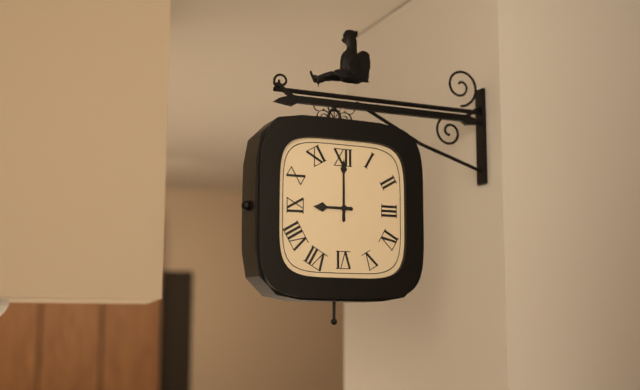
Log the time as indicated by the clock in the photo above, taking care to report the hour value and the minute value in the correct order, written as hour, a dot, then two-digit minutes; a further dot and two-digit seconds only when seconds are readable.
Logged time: 9.00
